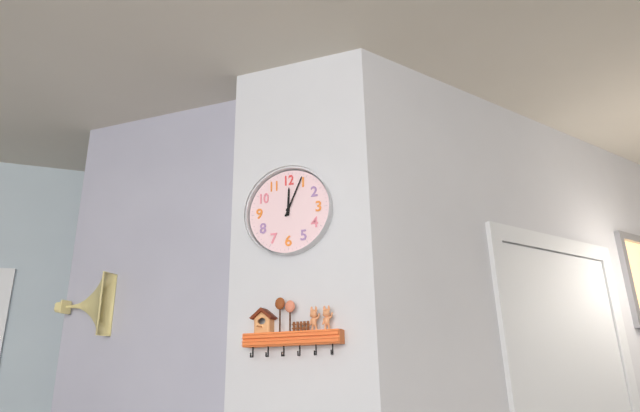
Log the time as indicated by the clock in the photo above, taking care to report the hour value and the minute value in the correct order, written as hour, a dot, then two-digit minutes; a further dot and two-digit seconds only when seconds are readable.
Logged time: 12.04
